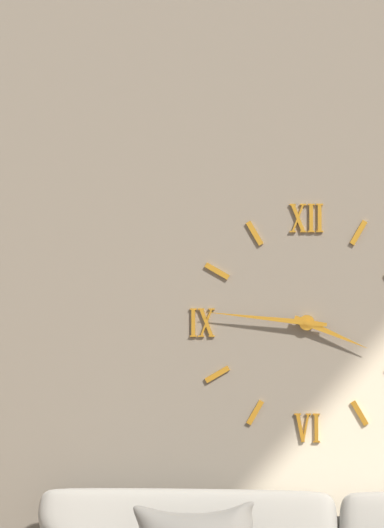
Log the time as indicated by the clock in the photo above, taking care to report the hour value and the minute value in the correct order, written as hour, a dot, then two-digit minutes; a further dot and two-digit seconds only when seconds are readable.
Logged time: 3.46
